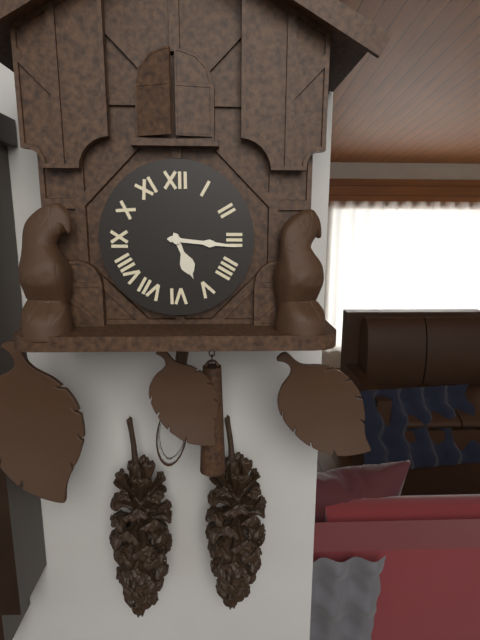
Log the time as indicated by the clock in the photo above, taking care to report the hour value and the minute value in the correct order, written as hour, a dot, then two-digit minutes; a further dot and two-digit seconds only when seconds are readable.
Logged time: 5.16
